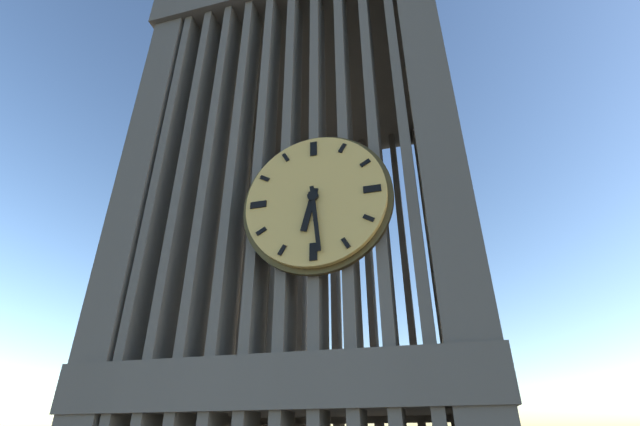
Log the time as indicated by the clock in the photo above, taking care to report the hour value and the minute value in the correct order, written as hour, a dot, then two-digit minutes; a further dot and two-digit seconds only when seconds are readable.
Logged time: 6.29
